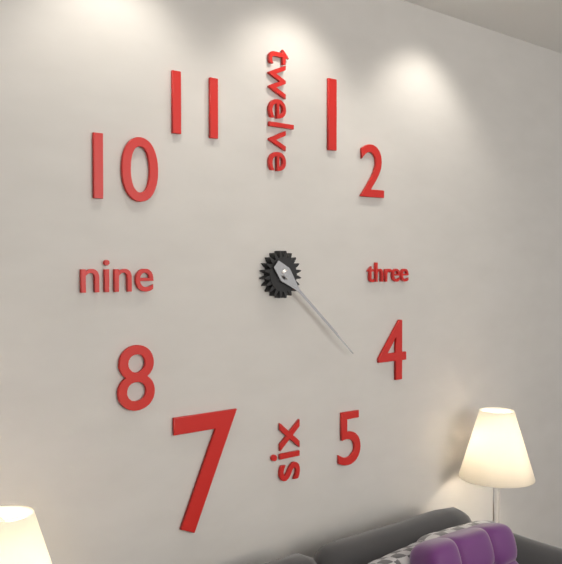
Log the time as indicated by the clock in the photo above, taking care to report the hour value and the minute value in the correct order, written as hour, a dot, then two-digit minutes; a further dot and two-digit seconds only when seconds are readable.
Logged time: 4.22
